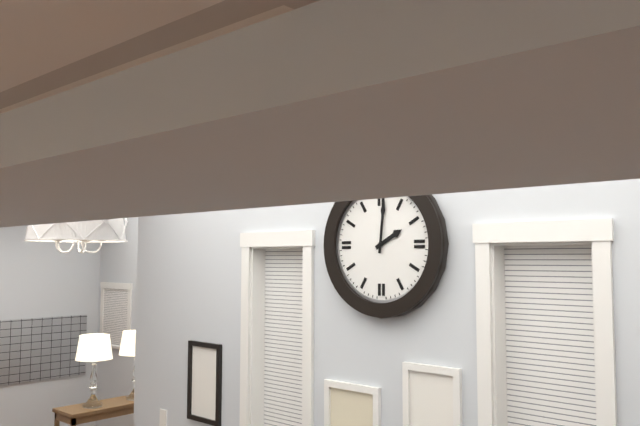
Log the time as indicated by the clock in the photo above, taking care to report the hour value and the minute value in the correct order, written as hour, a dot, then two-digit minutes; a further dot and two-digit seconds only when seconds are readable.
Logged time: 2.01
